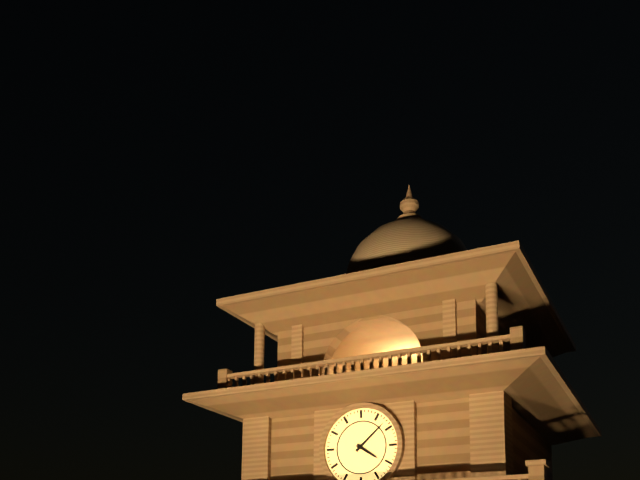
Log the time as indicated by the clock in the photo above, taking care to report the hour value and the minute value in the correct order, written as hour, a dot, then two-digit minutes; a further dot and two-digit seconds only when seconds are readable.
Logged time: 4.08
